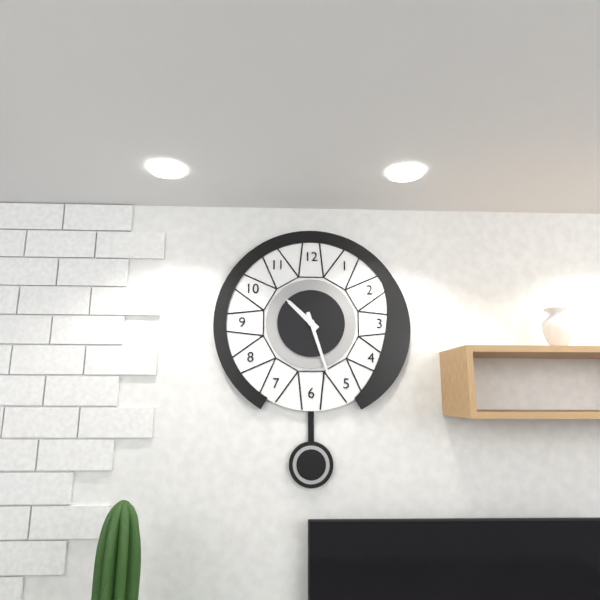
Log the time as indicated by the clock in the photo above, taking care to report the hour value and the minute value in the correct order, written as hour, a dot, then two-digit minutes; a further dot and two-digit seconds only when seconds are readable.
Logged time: 10.27
